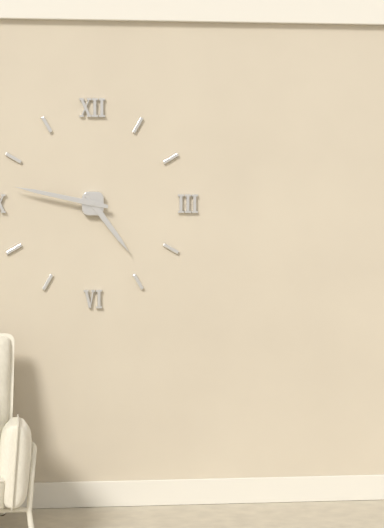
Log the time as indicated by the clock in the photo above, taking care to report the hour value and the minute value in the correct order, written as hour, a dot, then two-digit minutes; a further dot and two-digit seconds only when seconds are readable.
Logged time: 4.47
